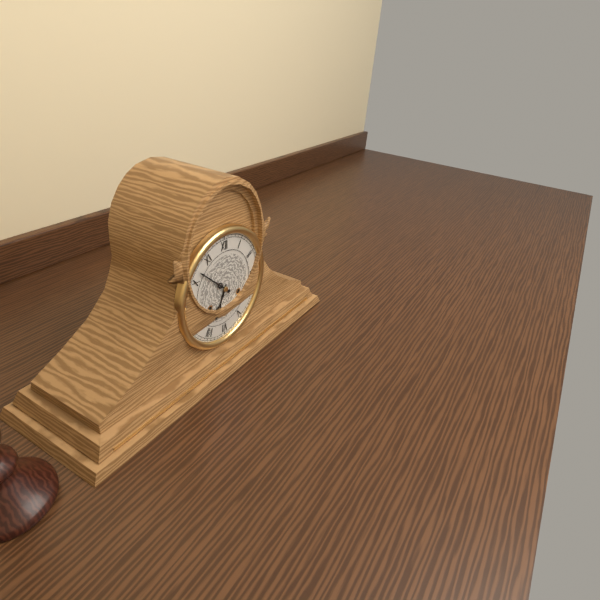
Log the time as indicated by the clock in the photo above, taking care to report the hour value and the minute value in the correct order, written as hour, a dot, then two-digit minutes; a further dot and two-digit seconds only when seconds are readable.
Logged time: 6.52
